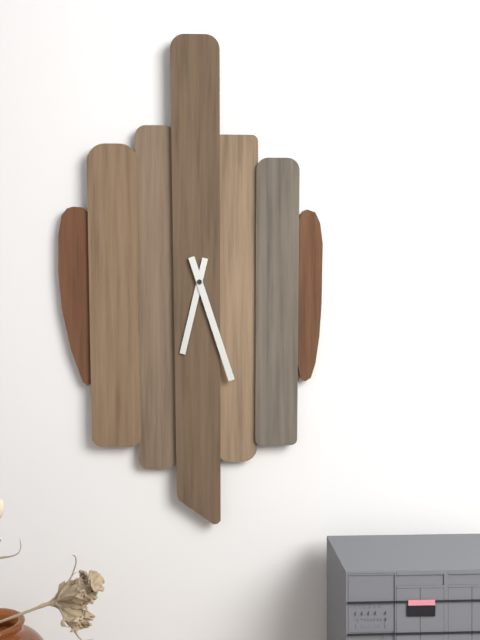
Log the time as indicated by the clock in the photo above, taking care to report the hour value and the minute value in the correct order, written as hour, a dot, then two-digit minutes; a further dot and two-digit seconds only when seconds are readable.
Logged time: 6.27
